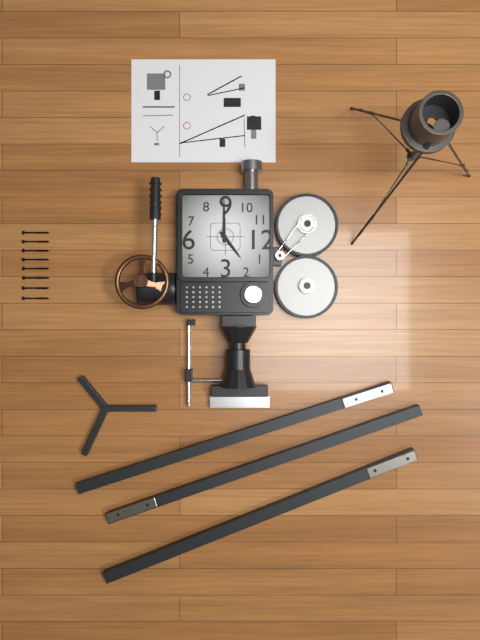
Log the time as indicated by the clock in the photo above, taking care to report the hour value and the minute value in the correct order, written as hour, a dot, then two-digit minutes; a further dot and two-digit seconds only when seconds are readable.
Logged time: 1.45
